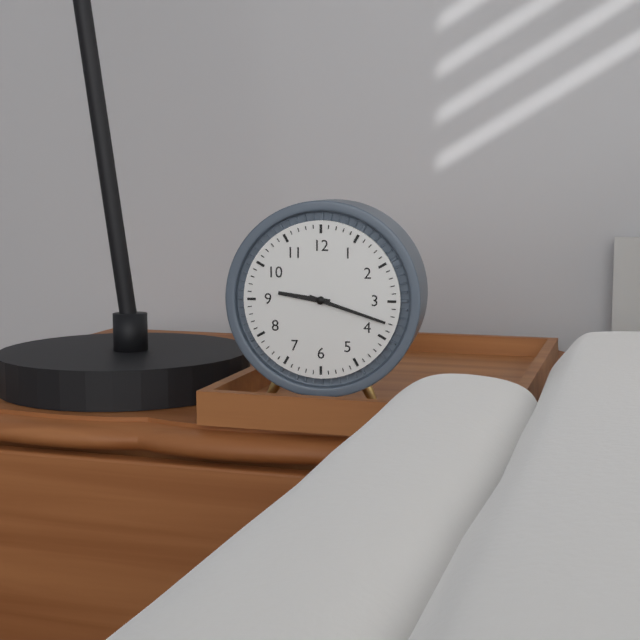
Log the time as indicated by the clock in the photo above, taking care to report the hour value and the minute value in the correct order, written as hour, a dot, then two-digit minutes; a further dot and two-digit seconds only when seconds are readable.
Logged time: 9.18
